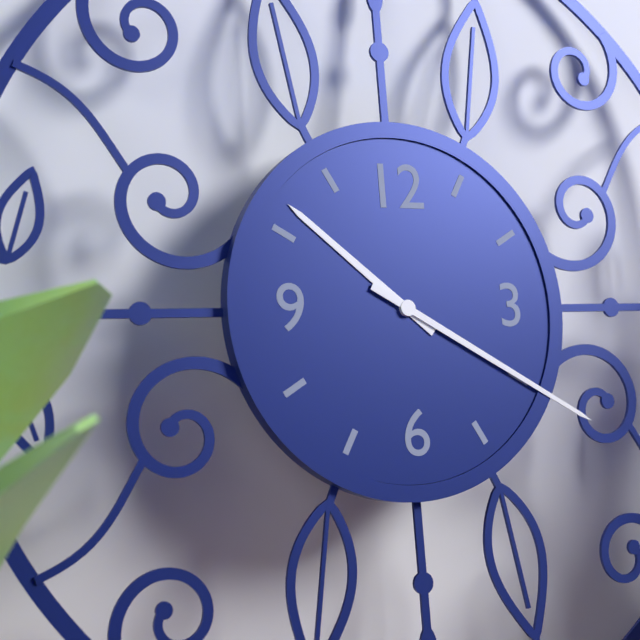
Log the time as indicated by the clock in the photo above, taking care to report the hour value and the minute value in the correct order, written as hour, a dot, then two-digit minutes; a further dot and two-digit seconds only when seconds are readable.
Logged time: 10.20
